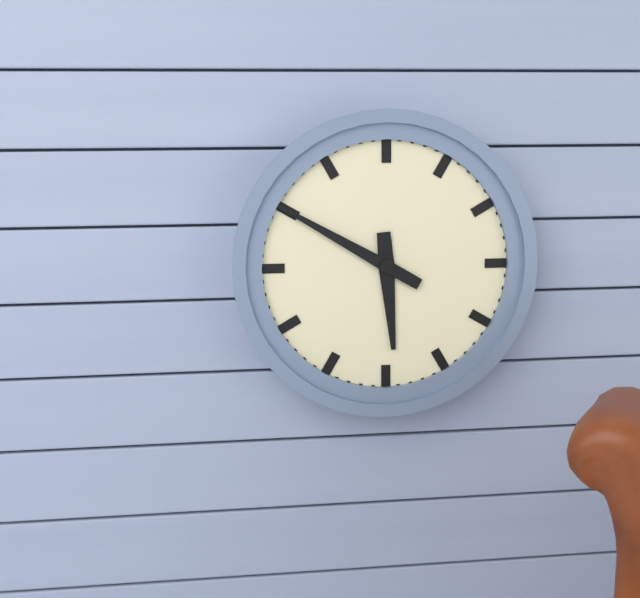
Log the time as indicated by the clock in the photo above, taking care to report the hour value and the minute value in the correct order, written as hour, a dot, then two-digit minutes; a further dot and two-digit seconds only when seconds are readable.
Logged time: 5.50
